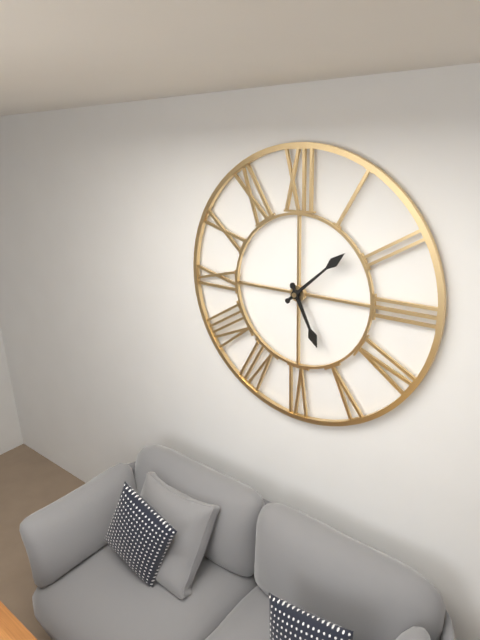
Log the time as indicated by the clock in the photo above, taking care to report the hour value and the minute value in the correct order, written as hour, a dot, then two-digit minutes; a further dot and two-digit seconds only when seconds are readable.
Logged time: 5.08
